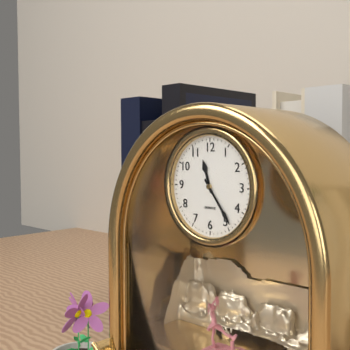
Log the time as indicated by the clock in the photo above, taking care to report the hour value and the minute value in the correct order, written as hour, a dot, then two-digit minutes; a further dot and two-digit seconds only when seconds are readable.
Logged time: 11.24
